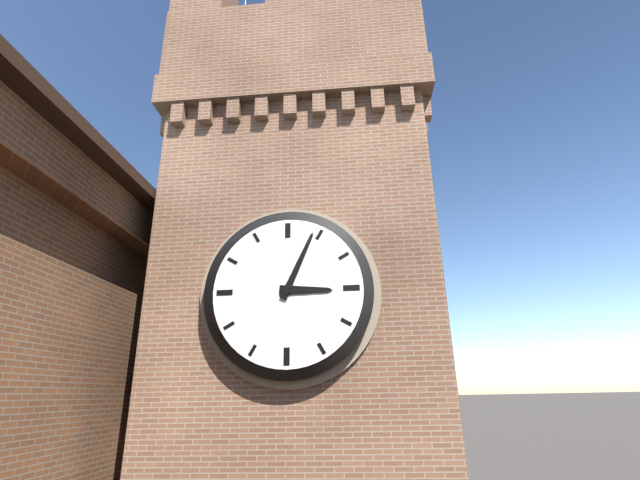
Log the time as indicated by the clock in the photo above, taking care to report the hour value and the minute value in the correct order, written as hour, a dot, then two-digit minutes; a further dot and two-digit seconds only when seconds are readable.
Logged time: 3.04
